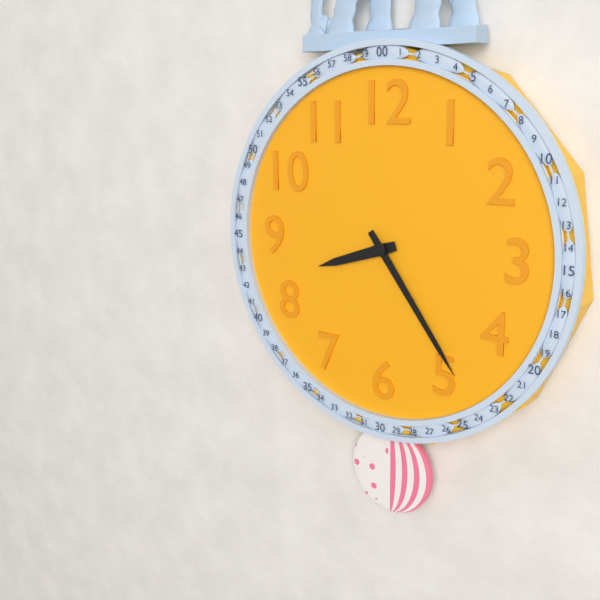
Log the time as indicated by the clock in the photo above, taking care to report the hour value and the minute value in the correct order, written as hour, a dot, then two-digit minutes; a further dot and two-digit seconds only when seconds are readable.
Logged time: 8.24
